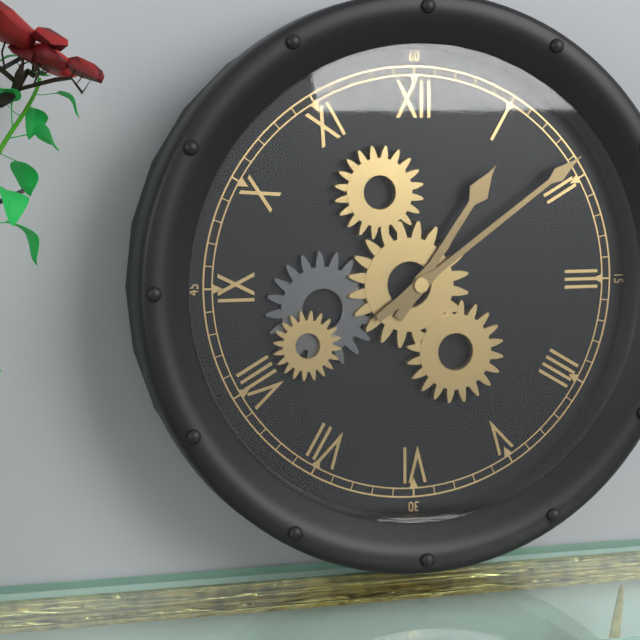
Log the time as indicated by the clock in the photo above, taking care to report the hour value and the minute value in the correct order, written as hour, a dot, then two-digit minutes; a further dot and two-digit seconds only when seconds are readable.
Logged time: 1.09
